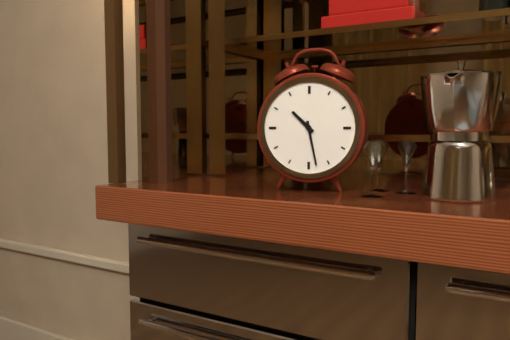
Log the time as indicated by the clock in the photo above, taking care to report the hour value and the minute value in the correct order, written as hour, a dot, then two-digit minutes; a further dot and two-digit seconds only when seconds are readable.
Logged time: 10.28
